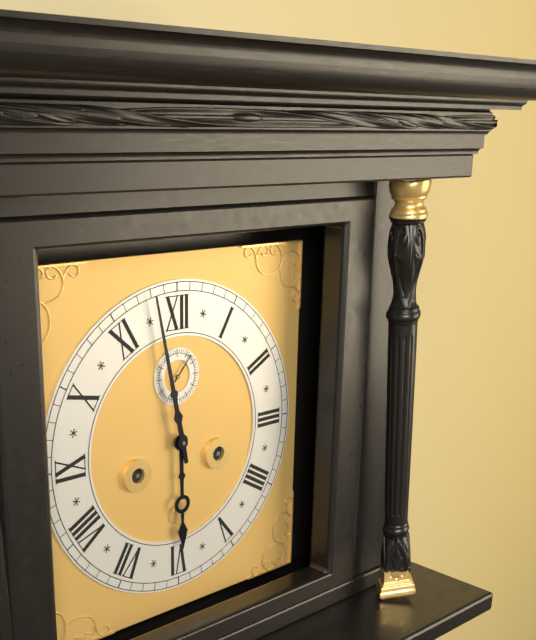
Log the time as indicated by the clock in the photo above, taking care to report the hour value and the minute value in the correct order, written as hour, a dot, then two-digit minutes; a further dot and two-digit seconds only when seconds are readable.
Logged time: 5.58
